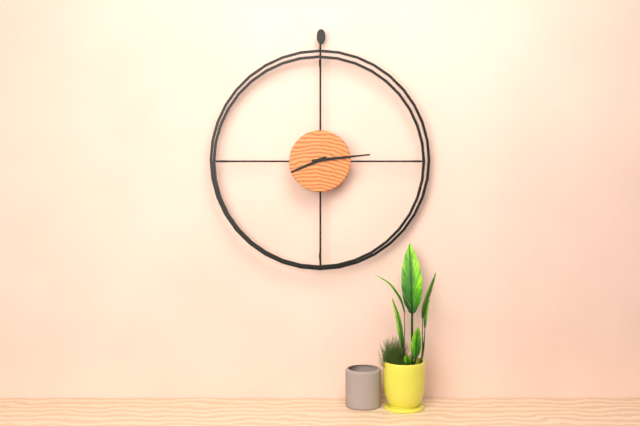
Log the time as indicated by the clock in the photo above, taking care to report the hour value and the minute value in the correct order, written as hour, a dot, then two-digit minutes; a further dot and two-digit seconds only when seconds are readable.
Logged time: 8.14
